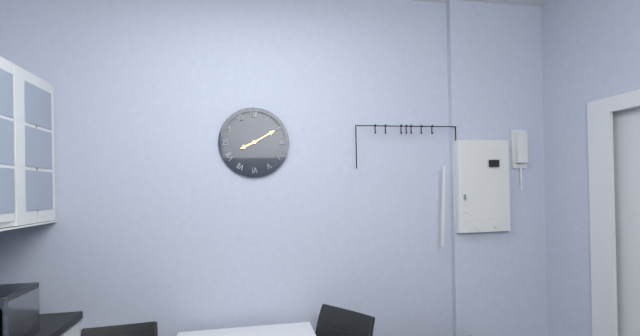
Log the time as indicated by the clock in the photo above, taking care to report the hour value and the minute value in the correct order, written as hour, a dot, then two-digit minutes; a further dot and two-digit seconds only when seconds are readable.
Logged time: 8.10
